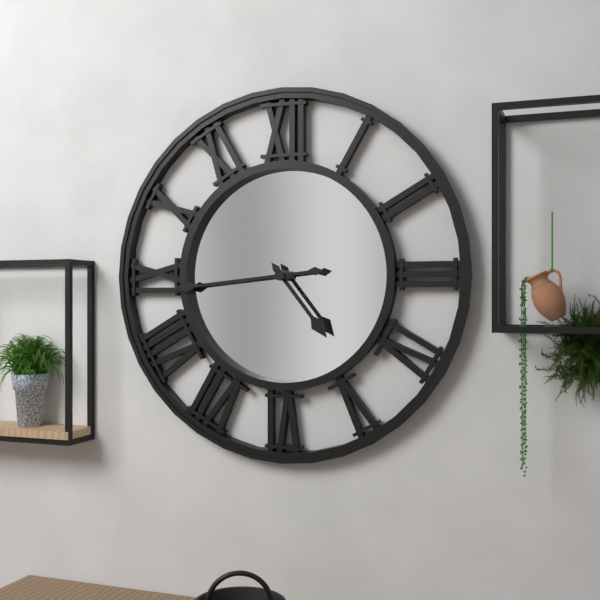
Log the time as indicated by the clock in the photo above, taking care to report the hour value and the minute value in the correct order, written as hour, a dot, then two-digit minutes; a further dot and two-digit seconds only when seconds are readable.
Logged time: 4.44
